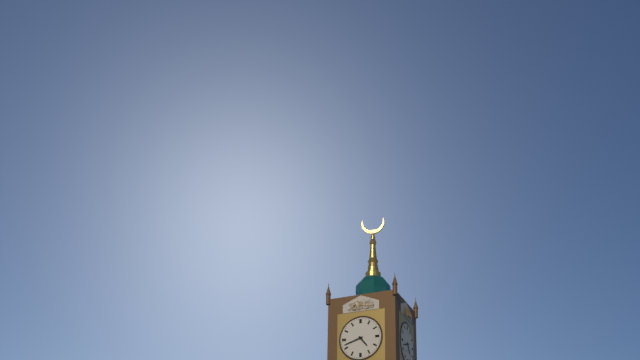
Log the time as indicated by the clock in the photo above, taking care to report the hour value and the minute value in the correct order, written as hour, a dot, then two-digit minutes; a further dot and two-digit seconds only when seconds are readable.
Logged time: 4.42
